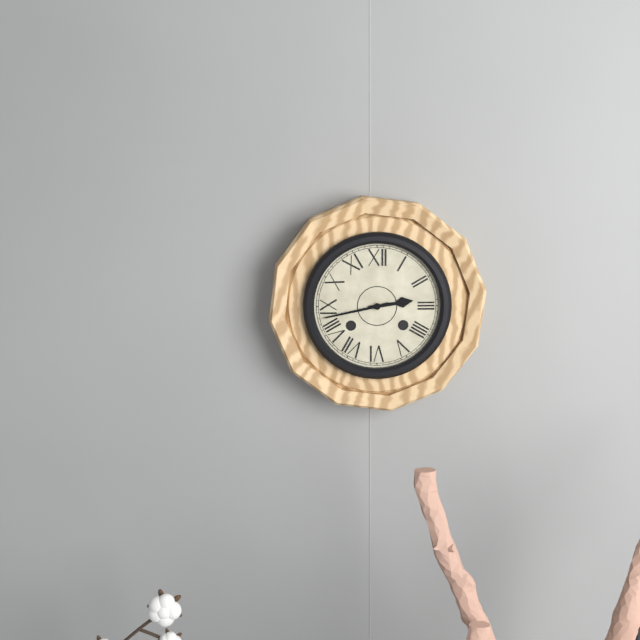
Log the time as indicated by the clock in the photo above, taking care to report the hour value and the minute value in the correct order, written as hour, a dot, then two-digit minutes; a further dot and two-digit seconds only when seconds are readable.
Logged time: 2.43
